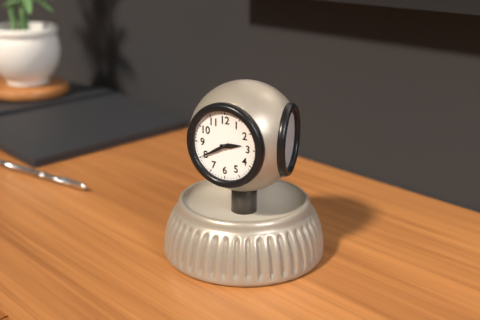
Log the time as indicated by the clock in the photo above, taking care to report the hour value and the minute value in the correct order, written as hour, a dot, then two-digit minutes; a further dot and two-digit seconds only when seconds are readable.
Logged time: 2.40
